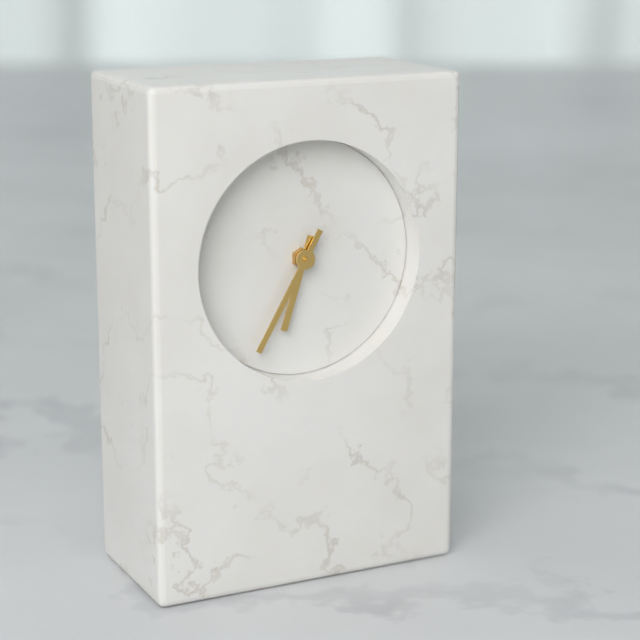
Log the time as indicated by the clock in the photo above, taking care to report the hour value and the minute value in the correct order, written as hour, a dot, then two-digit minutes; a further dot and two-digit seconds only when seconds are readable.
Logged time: 6.35
